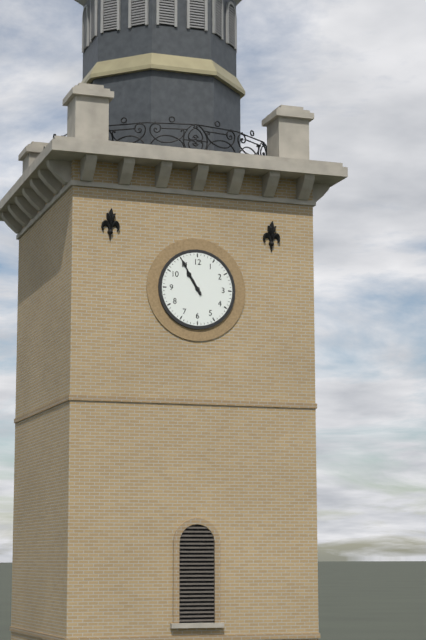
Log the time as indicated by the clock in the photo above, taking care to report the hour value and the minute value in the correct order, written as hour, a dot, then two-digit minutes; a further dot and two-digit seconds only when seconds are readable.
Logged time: 10.55
